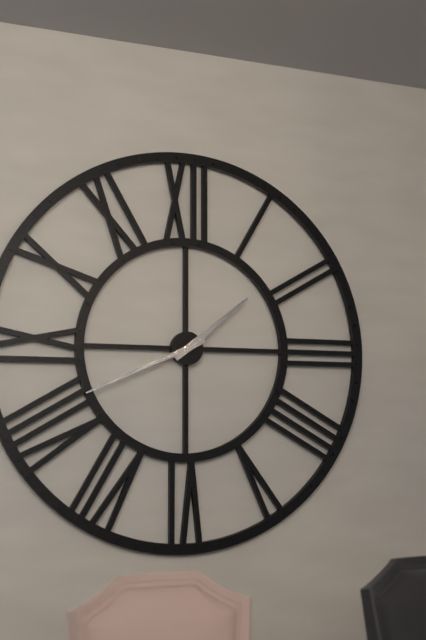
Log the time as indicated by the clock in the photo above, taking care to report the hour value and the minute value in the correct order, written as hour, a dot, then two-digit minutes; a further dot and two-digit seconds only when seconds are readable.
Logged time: 1.41
